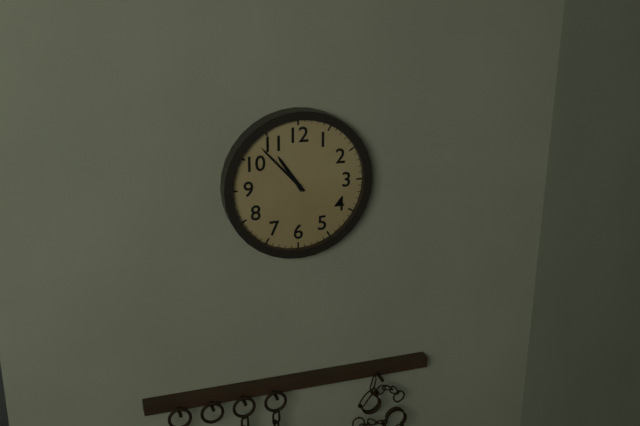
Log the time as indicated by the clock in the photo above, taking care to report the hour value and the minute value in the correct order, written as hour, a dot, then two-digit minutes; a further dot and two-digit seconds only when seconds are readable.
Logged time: 10.53
